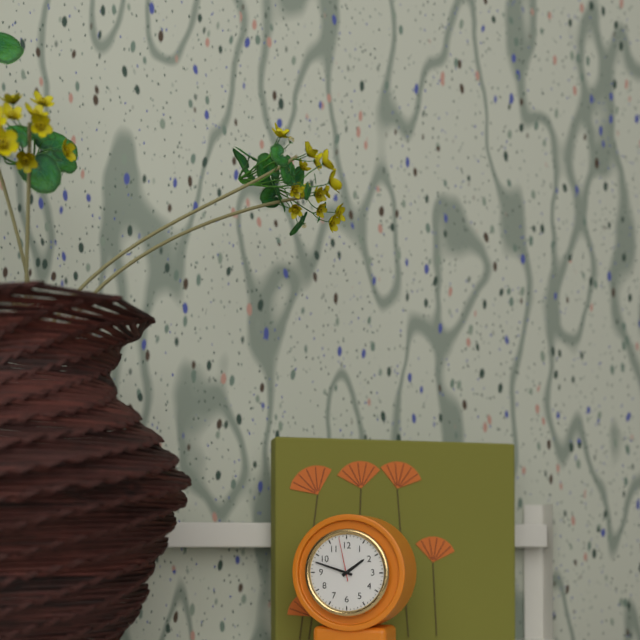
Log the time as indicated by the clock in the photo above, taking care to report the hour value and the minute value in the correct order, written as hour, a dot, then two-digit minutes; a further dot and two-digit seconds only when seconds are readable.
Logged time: 1.48
